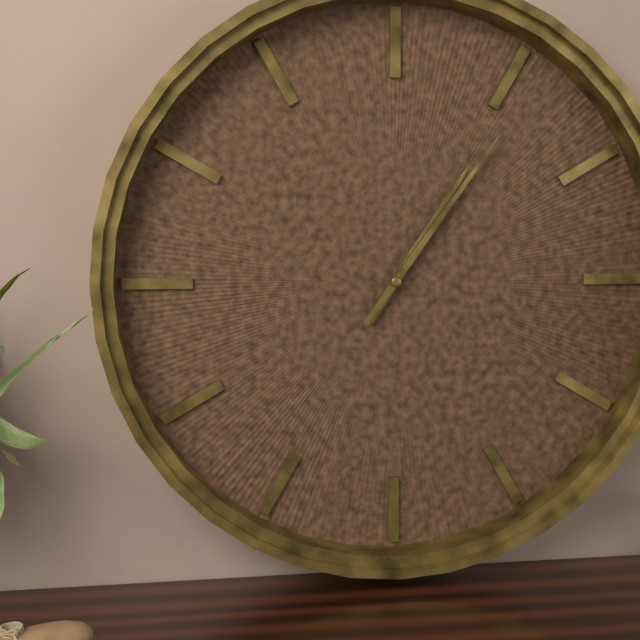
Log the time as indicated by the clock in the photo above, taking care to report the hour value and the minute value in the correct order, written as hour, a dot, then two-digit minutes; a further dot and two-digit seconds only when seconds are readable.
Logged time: 1.06
